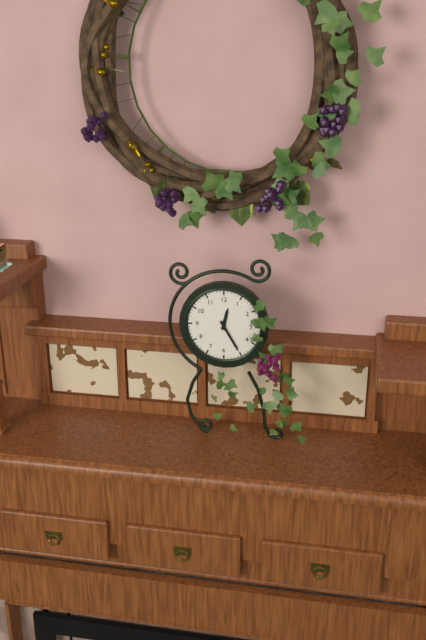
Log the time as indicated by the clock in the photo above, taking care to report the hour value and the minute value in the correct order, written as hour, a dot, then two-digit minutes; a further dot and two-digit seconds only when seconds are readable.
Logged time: 12.25
